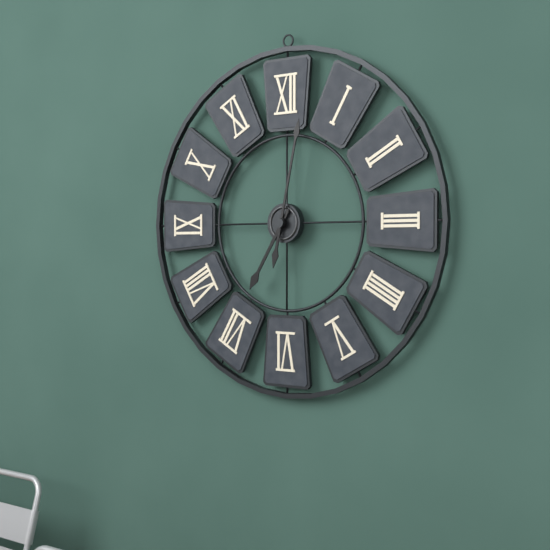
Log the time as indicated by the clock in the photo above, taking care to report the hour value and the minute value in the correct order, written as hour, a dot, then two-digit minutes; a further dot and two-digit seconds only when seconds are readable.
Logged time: 7.02
